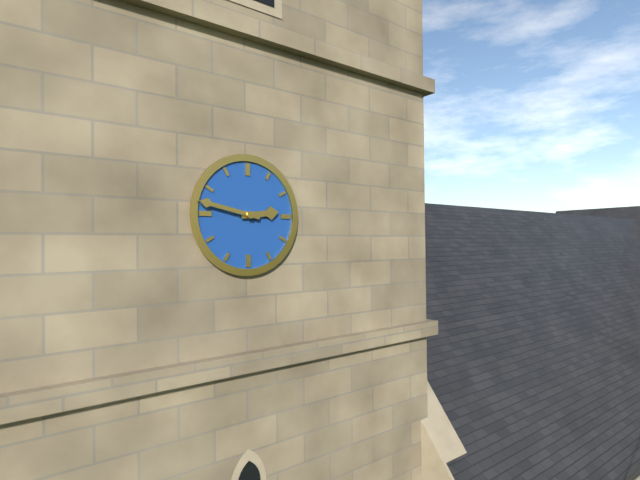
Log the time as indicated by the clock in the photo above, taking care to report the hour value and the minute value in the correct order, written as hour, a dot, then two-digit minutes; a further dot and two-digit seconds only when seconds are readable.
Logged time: 2.47
